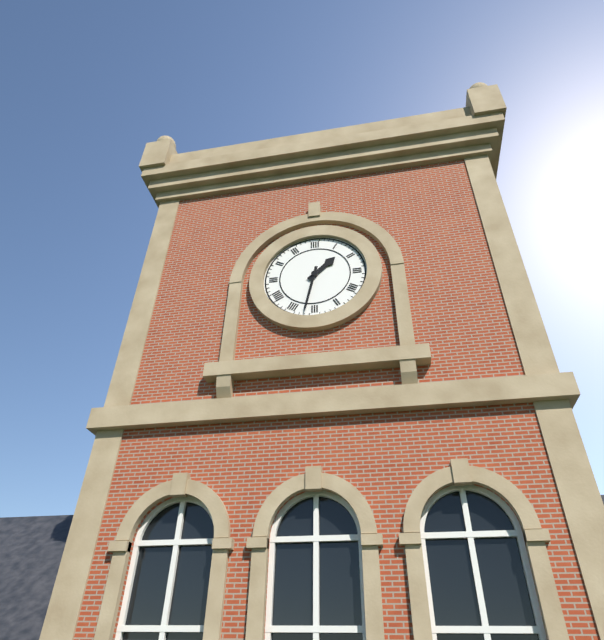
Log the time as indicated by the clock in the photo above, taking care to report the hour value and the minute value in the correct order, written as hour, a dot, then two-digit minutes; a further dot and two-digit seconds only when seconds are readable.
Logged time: 1.32
